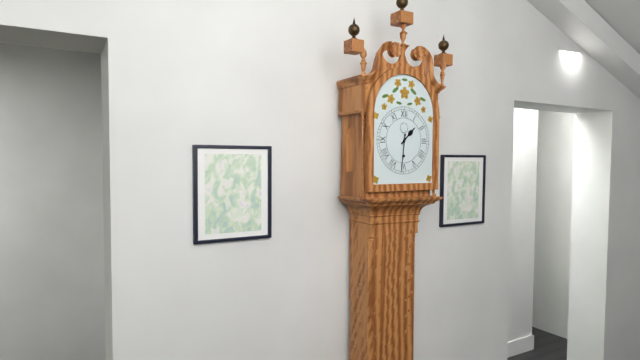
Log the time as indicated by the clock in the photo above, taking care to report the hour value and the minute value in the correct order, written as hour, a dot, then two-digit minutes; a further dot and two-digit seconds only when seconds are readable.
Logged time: 1.31
